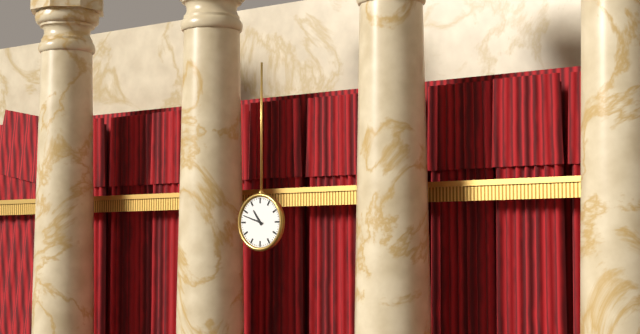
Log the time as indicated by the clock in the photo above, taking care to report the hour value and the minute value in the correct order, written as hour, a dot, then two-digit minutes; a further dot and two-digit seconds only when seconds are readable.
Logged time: 10.48
